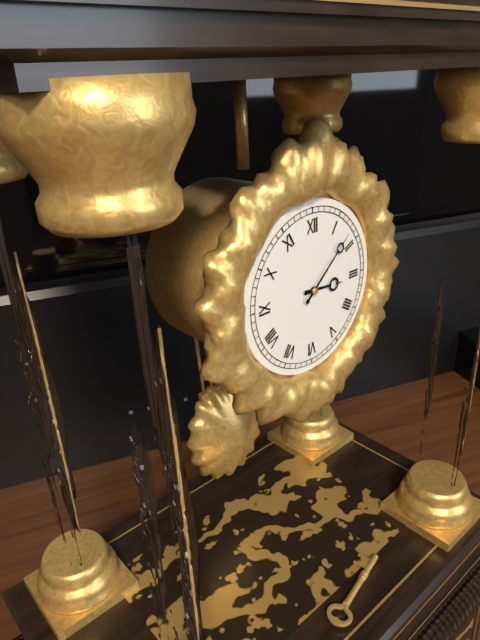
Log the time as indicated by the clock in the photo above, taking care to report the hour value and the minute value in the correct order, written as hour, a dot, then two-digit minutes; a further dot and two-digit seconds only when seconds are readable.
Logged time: 3.08
